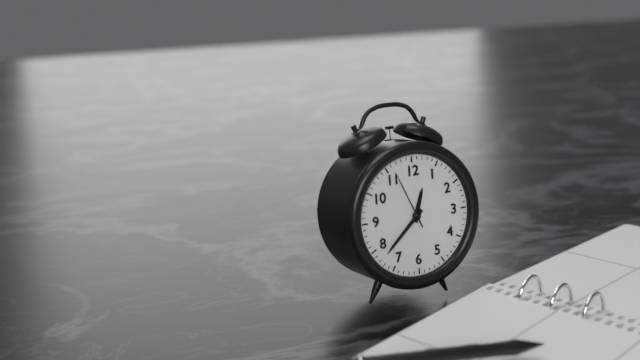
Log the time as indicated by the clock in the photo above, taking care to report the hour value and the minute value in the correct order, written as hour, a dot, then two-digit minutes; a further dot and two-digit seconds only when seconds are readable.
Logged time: 12.38
